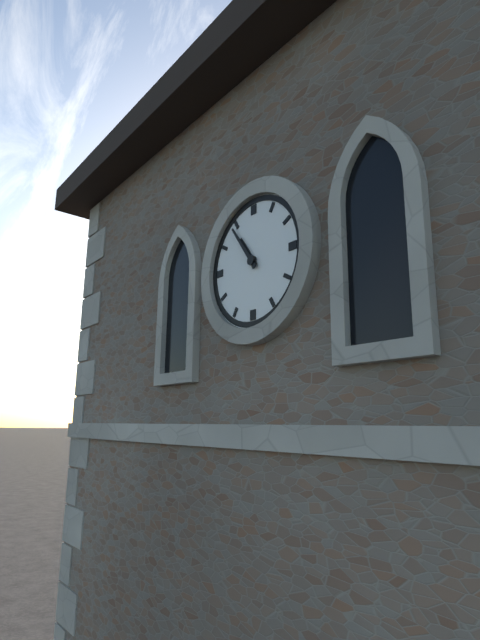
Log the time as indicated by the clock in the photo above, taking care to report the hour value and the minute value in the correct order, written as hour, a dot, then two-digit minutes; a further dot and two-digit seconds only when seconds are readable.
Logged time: 10.54
